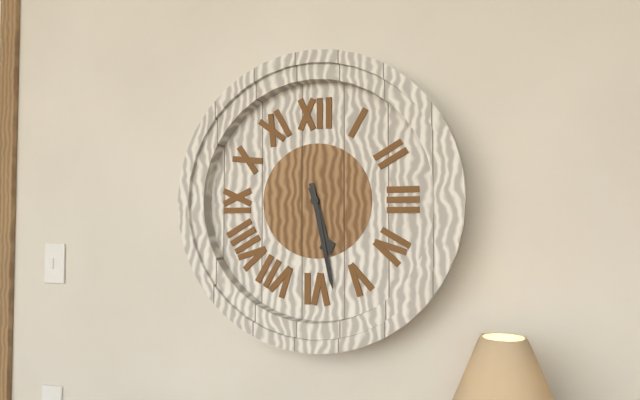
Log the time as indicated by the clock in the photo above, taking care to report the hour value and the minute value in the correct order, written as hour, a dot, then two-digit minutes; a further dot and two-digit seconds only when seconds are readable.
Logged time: 5.28
